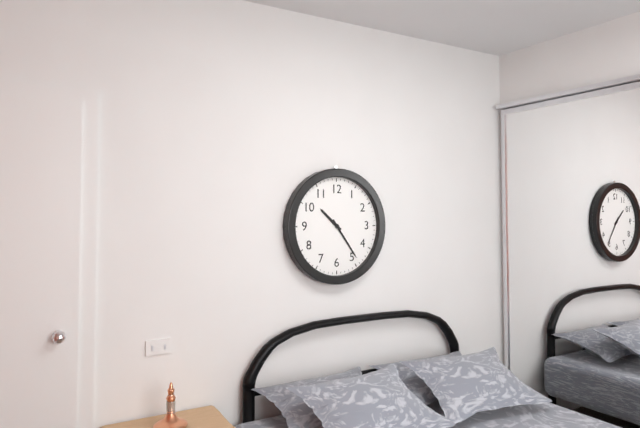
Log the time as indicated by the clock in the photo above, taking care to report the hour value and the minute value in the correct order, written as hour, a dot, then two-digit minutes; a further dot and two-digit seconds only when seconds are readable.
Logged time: 10.24
